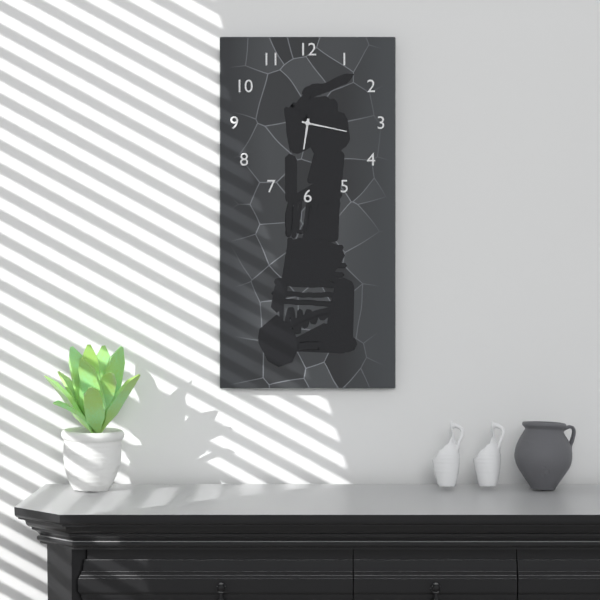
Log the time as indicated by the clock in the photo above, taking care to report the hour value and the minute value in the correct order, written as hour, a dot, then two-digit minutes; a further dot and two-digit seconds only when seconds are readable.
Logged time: 6.17
